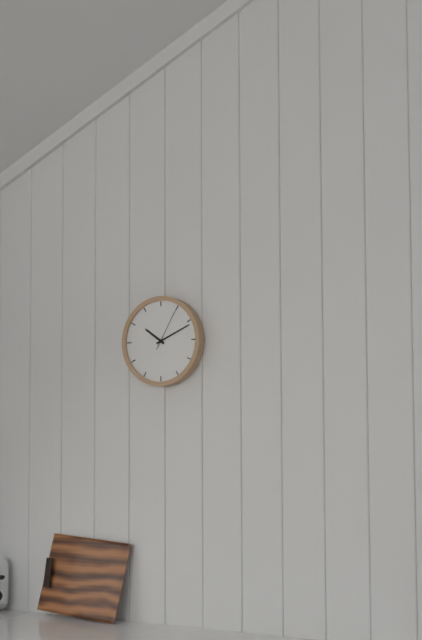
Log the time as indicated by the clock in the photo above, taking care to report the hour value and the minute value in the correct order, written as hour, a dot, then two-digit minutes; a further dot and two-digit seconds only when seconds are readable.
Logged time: 10.11
